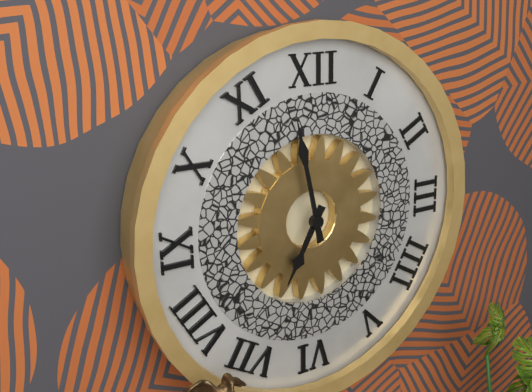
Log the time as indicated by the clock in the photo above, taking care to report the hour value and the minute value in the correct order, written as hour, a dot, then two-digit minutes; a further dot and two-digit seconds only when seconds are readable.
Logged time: 6.58
